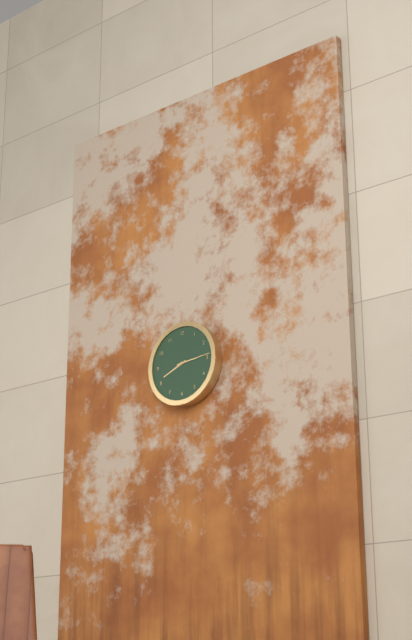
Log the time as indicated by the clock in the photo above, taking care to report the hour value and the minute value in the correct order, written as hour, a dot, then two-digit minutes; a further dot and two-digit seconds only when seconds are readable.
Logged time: 8.14
